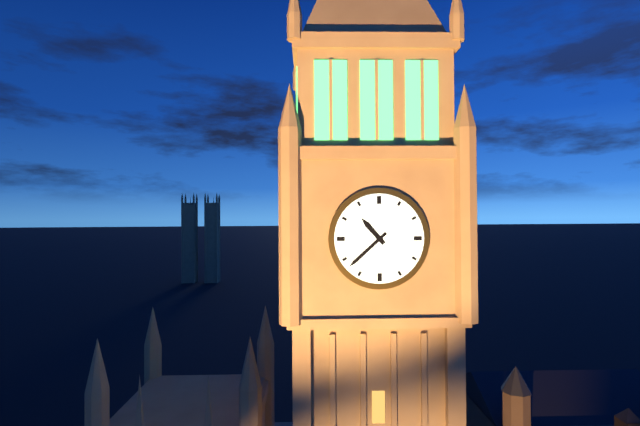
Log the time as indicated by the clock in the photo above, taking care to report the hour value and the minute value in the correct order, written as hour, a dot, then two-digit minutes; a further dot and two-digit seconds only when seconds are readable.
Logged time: 10.38
